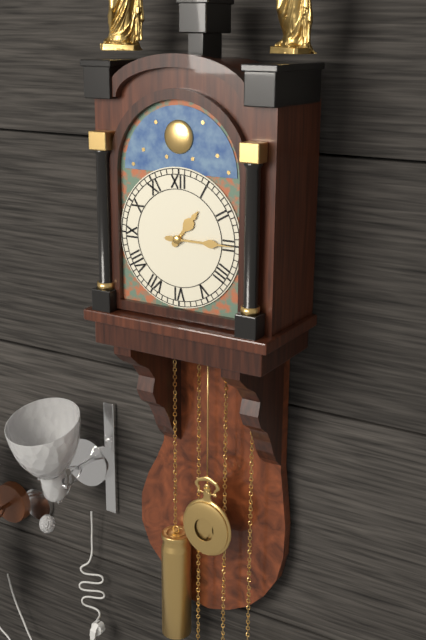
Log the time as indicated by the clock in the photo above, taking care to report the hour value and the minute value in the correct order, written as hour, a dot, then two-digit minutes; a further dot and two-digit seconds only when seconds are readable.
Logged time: 1.15
